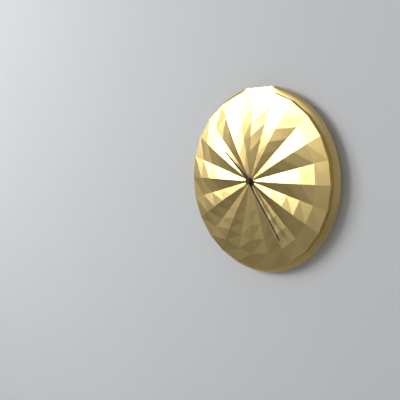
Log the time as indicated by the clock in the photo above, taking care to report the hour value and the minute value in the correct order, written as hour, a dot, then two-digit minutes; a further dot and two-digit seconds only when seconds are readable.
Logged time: 10.24
